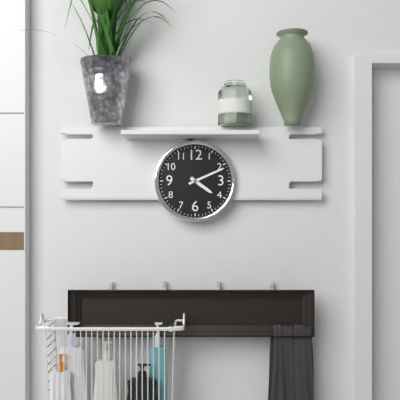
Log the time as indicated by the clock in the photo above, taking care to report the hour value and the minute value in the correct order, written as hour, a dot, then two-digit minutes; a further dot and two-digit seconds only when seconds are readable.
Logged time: 4.11
